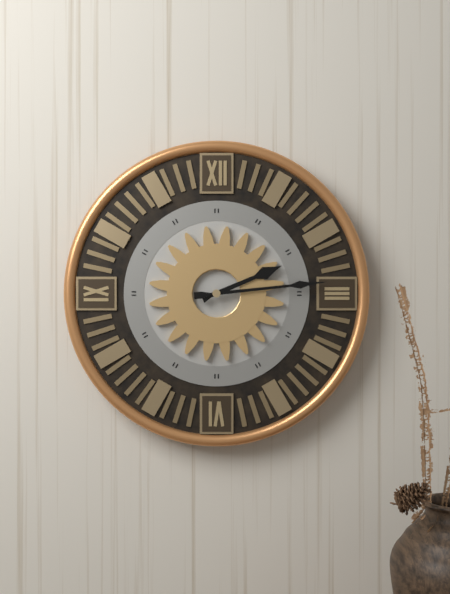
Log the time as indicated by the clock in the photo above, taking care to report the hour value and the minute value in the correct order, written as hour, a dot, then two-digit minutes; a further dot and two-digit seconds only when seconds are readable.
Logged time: 2.14
